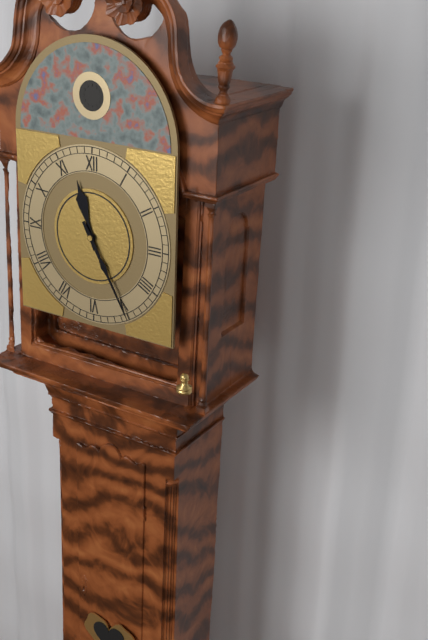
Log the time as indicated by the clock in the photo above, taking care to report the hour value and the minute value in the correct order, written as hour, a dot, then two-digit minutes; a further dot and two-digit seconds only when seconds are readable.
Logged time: 11.25
